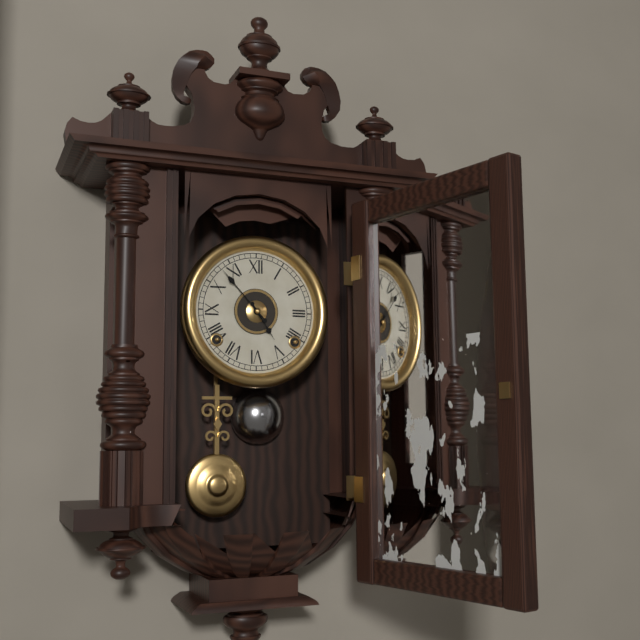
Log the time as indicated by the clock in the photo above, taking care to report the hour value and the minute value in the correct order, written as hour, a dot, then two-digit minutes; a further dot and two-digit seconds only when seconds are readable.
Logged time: 4.53
